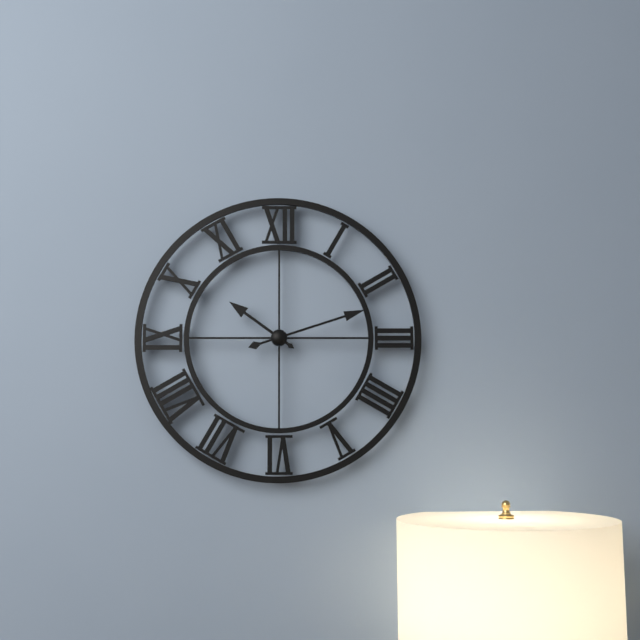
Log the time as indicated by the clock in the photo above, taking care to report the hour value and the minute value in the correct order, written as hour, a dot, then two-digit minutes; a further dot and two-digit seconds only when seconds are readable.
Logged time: 10.12
